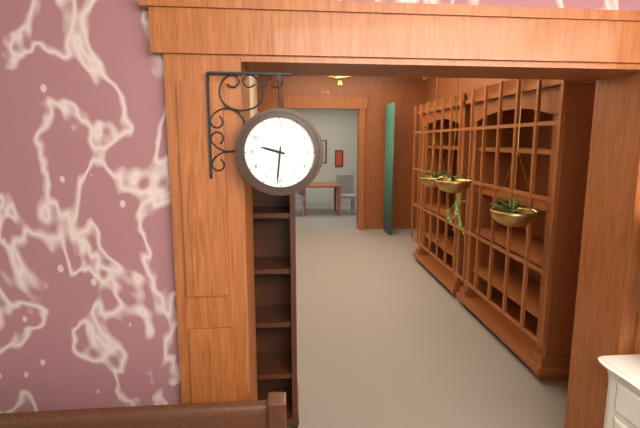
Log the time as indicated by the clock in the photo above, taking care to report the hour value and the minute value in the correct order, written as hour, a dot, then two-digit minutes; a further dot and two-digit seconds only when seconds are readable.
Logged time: 9.31
